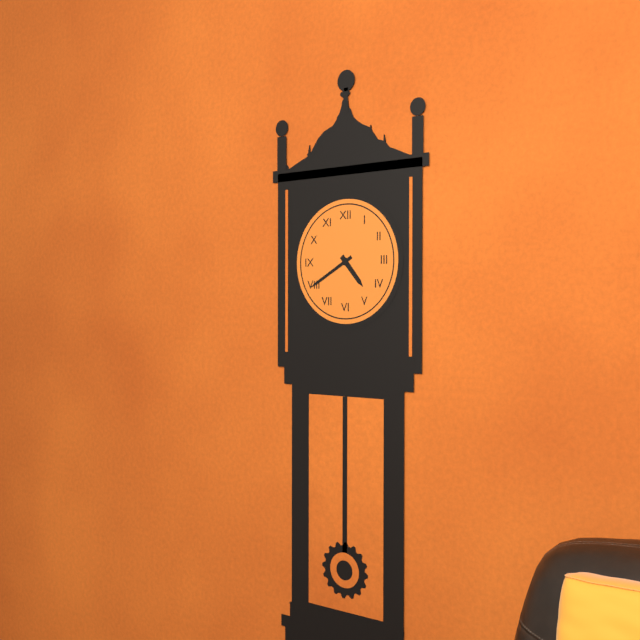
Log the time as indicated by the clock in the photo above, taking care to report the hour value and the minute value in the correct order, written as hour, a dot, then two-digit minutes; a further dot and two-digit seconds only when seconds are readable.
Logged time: 4.40
